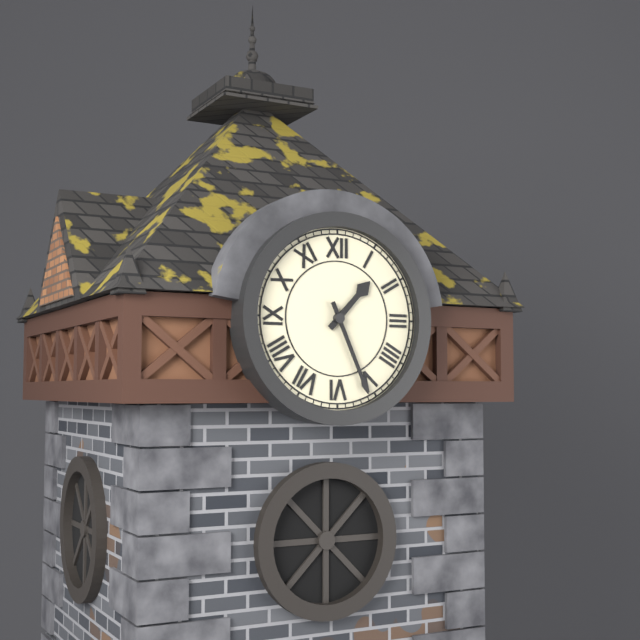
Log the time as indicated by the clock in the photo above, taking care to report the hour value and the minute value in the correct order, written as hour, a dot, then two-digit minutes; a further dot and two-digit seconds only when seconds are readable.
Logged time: 1.26
